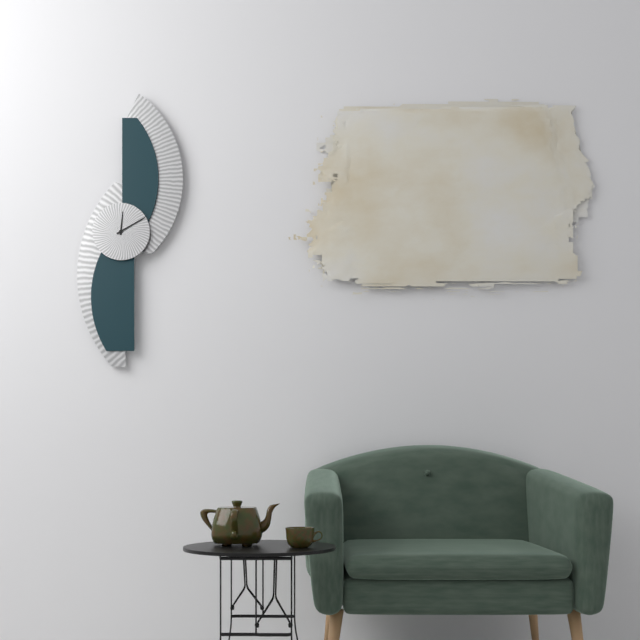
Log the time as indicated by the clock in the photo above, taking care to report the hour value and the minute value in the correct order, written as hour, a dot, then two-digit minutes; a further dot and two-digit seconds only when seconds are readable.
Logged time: 12.10
